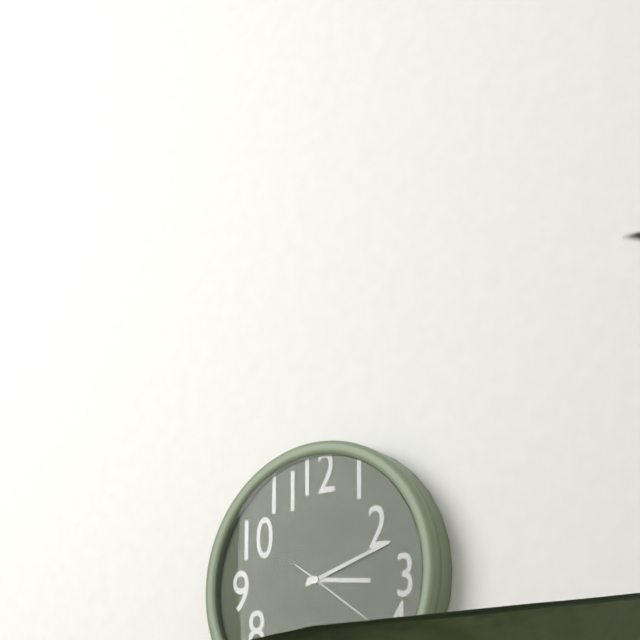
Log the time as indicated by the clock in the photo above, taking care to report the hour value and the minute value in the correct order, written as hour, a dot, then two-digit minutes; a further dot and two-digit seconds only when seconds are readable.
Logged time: 3.12
